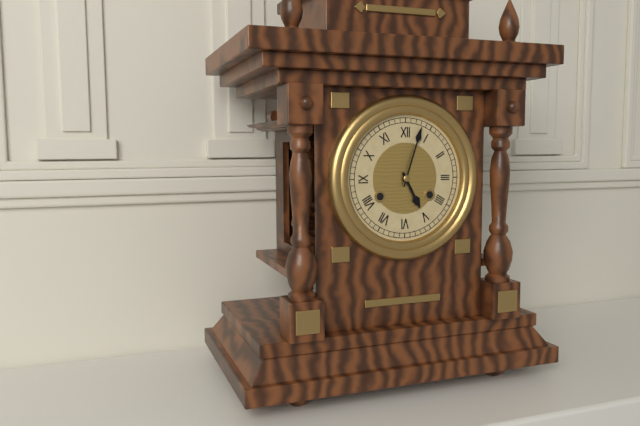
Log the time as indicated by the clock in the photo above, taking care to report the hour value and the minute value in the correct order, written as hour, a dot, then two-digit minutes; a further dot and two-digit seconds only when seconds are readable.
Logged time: 5.03
